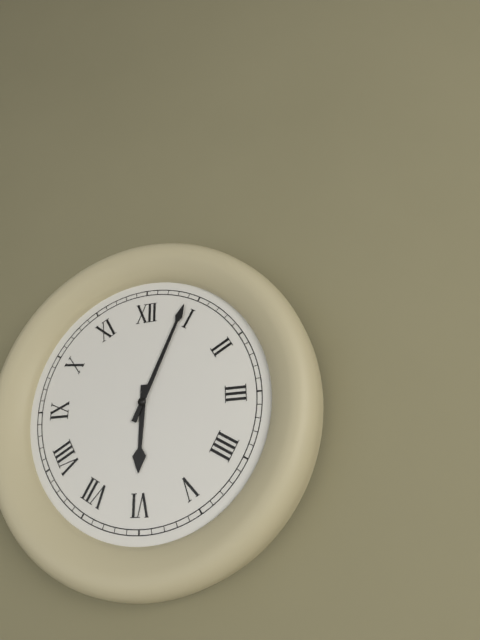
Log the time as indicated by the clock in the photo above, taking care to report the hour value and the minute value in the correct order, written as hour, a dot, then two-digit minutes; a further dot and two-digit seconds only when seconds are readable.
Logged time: 6.04
